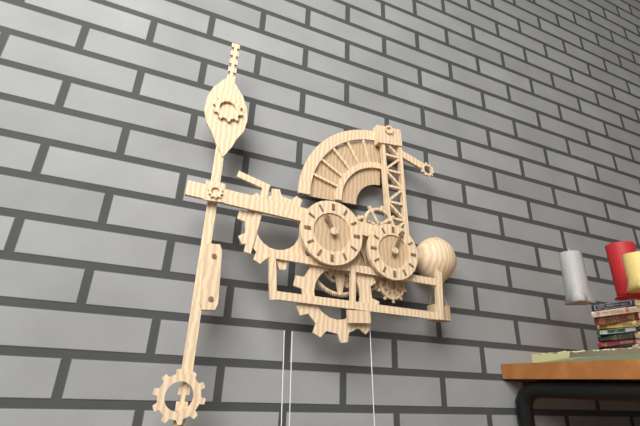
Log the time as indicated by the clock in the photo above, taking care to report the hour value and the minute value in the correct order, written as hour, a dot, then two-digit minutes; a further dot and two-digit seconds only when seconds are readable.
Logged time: 11.04
